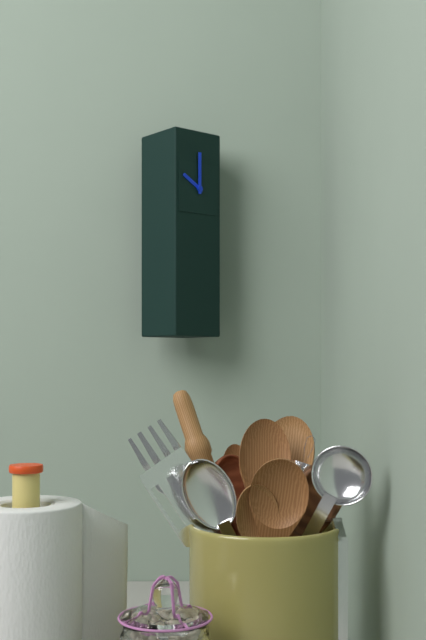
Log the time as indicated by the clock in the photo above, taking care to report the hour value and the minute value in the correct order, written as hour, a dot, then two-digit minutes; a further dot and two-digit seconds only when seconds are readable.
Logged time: 10.00
